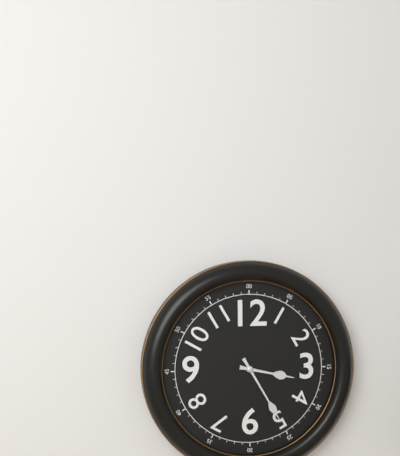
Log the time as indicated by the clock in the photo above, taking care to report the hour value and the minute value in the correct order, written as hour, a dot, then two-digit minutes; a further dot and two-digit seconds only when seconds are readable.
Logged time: 3.25
